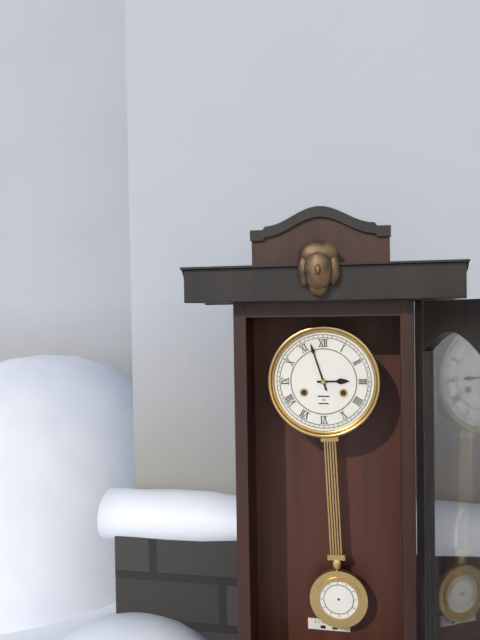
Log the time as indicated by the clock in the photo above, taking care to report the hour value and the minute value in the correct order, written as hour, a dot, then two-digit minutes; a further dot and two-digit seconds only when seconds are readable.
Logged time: 2.57
